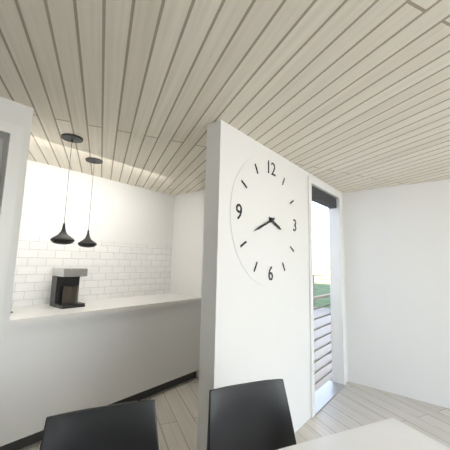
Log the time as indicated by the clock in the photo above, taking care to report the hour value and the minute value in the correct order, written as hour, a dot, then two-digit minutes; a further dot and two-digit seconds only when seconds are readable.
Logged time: 3.41
